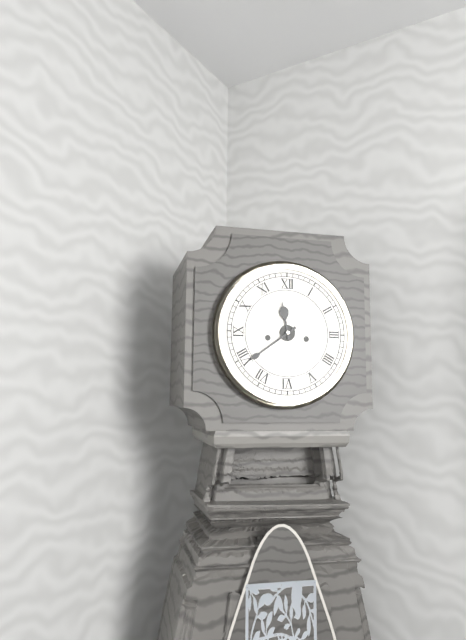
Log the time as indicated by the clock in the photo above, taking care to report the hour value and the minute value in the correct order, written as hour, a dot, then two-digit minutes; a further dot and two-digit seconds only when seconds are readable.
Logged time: 11.39
